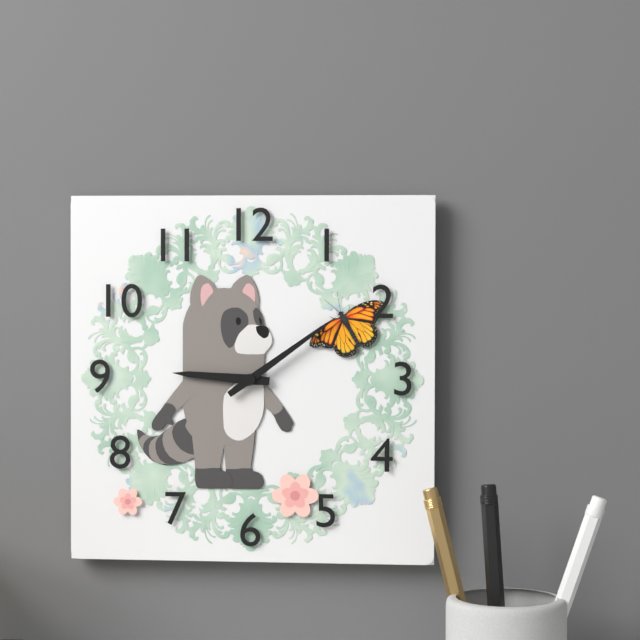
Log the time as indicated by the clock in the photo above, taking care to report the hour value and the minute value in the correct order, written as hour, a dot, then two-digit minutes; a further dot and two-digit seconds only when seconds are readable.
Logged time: 9.09
